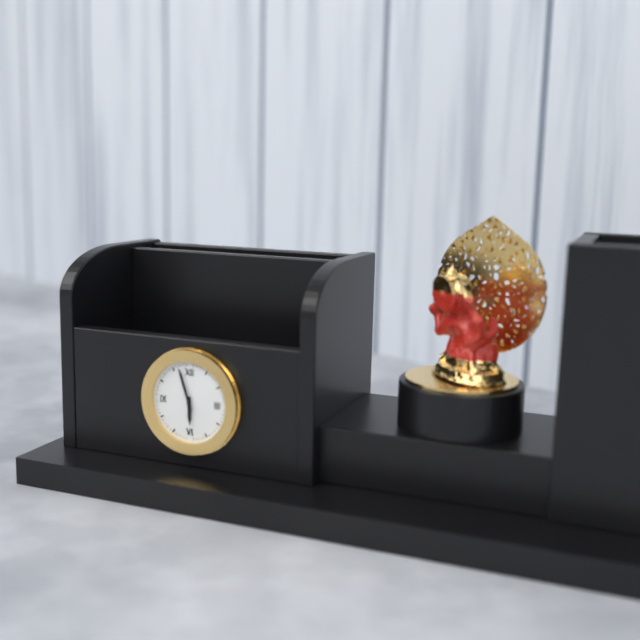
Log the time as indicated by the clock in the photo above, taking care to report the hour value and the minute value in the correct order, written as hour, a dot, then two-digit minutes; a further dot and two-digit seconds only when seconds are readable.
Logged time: 5.57
